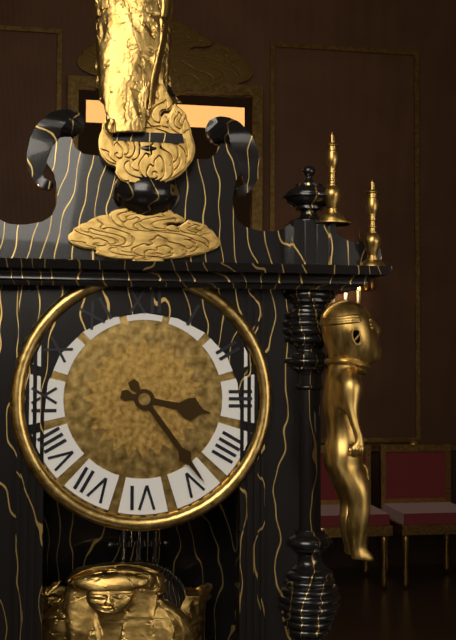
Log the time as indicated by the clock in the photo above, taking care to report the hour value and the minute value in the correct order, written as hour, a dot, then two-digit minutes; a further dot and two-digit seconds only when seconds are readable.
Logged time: 3.24
